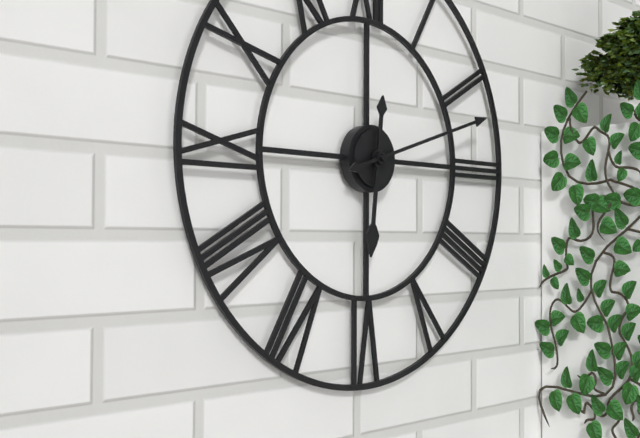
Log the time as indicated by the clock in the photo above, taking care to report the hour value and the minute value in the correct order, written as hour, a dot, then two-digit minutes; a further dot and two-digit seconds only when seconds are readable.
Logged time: 6.12
